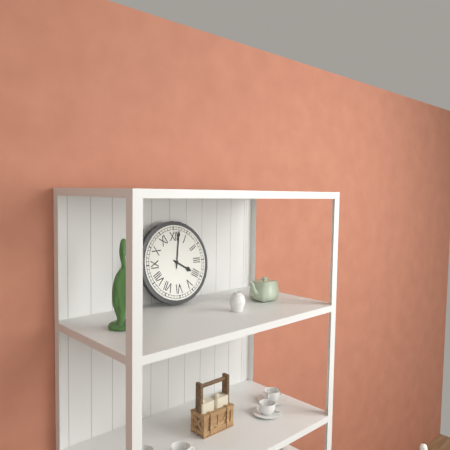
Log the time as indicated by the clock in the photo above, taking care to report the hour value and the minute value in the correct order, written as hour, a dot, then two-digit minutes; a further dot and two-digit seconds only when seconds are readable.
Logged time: 4.02
